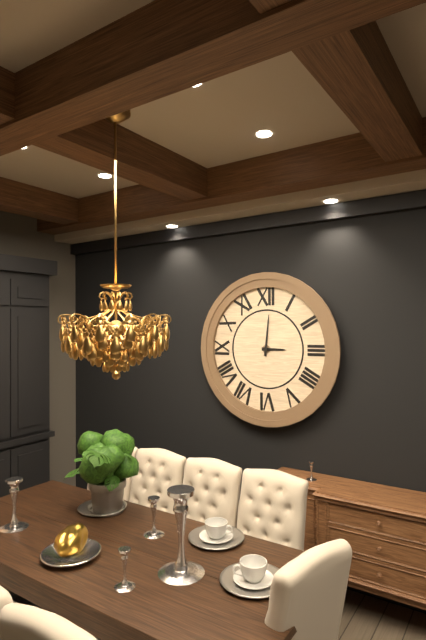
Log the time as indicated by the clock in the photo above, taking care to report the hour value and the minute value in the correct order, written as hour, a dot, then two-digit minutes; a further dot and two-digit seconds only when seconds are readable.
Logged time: 3.01
